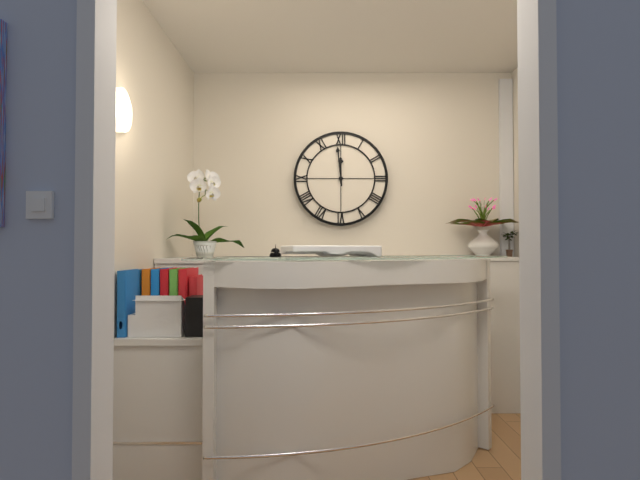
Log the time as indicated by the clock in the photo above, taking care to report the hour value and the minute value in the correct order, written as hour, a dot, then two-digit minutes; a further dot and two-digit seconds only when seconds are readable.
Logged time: 11.59
